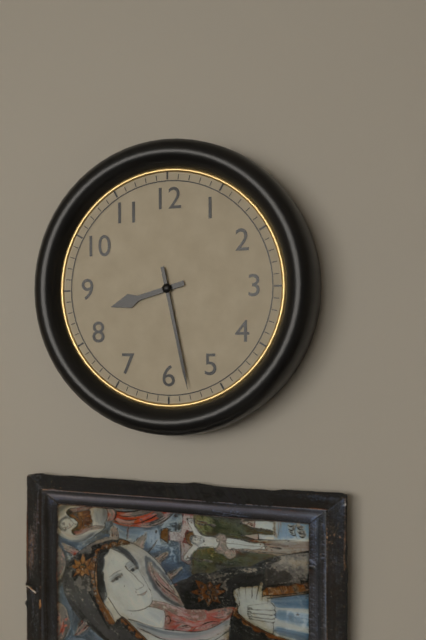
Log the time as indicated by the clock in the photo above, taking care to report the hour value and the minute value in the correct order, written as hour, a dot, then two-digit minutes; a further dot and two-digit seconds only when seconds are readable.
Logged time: 8.28
